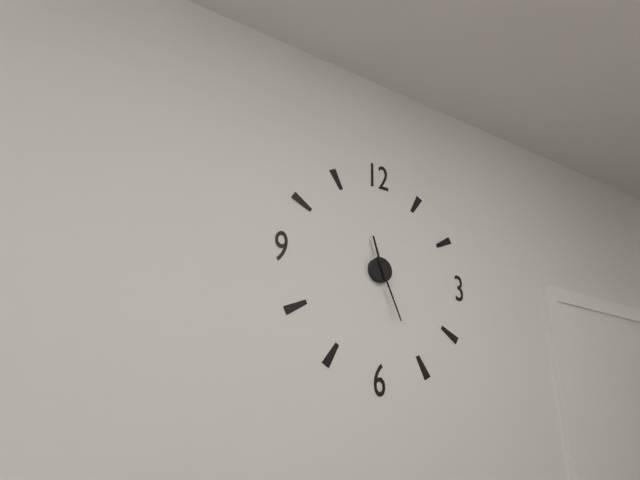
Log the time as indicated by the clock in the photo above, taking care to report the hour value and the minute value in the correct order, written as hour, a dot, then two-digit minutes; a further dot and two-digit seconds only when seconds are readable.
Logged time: 11.26
